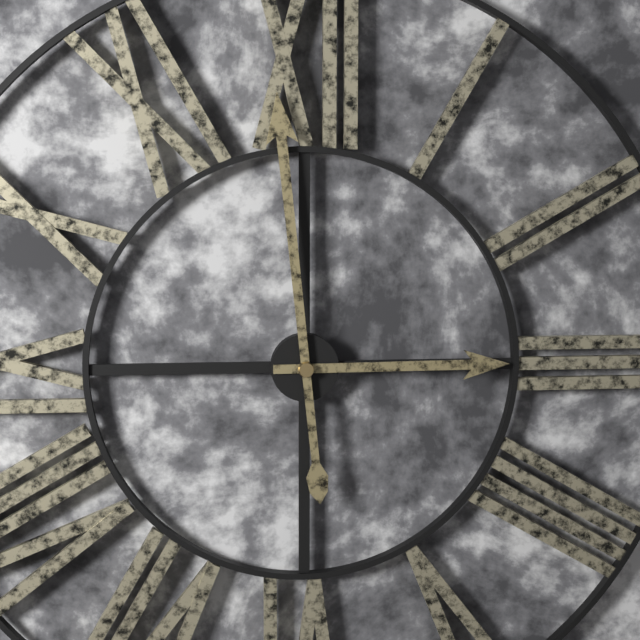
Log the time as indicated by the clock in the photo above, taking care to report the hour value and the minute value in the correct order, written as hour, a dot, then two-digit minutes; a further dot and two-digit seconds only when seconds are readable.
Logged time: 2.59
